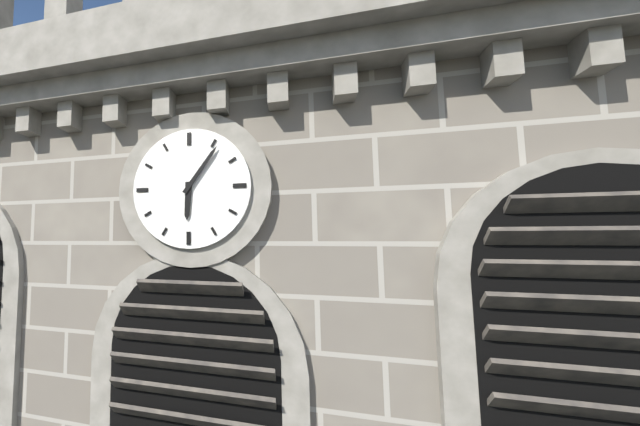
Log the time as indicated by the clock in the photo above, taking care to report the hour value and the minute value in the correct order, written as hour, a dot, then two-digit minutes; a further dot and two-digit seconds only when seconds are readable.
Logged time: 6.06
